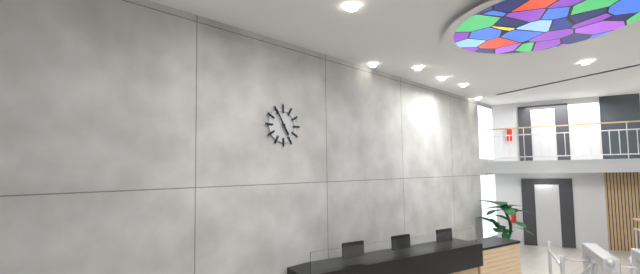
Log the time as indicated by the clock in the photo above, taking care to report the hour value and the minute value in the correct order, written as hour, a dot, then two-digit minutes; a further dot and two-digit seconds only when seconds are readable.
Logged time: 4.55
